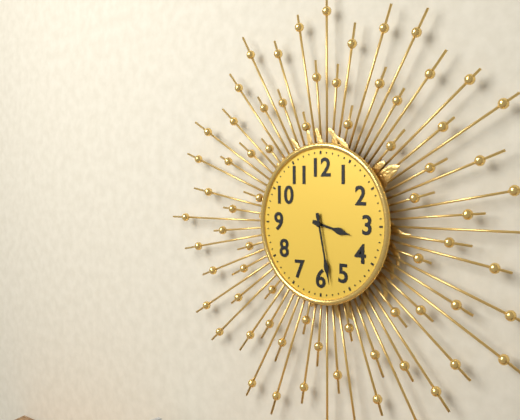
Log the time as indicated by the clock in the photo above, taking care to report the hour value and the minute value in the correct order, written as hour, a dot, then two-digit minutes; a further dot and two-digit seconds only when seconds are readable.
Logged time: 3.28
